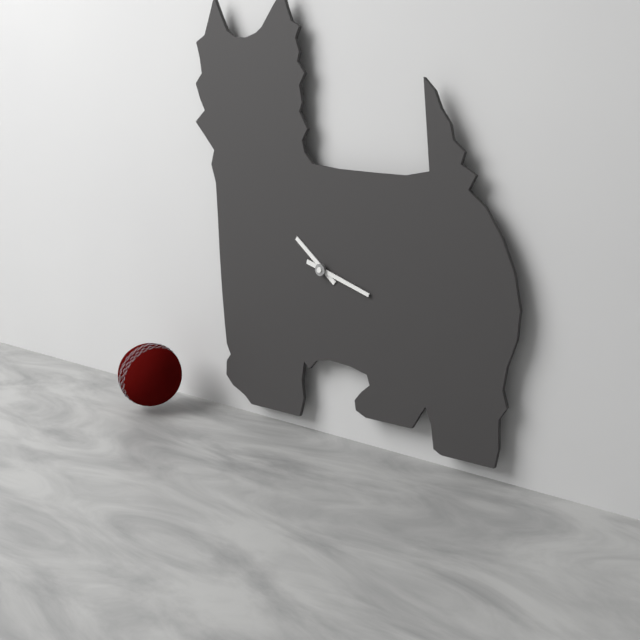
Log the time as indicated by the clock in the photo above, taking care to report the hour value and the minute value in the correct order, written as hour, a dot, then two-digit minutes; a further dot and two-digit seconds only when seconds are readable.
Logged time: 10.18
